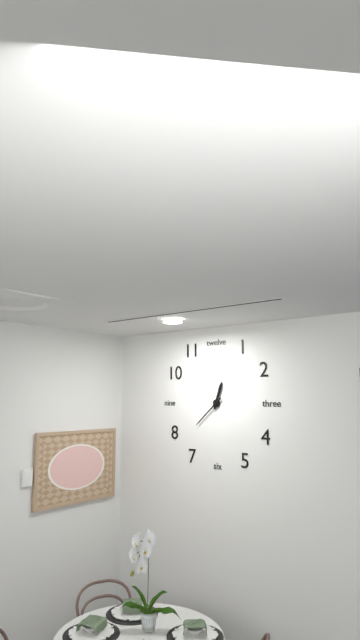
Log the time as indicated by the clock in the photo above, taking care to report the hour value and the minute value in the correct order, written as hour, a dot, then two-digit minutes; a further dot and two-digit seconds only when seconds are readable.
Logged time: 12.38
